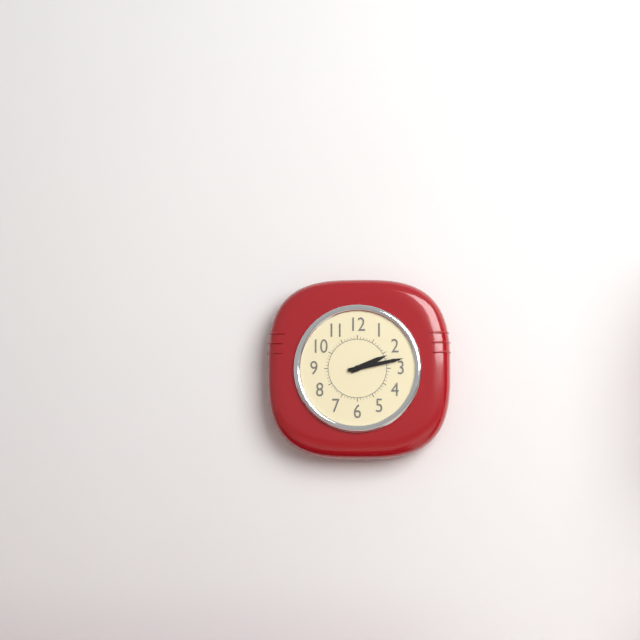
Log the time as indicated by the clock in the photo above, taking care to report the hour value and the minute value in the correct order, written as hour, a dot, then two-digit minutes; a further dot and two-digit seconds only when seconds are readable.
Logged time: 2.13
